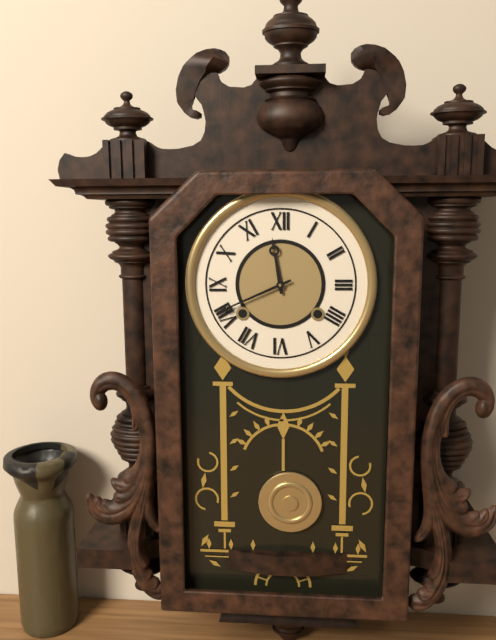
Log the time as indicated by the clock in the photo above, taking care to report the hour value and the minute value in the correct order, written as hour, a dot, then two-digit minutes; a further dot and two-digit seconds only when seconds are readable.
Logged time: 11.41
